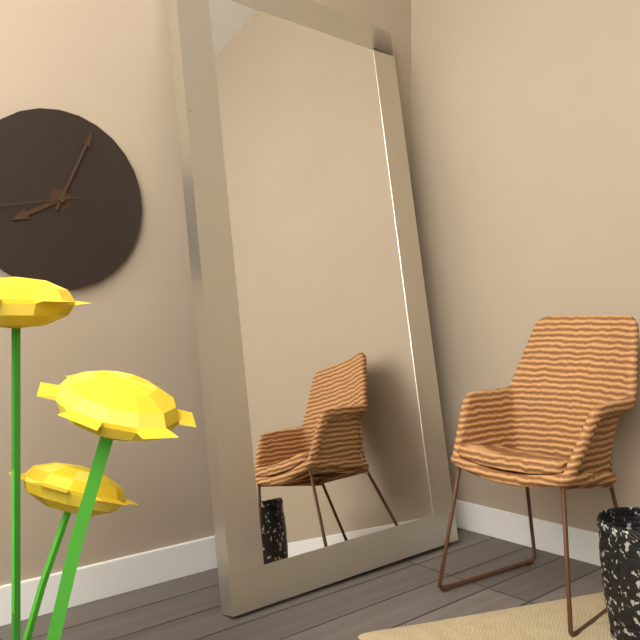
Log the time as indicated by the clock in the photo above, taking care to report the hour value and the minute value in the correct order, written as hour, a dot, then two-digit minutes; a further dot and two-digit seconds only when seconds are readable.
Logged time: 8.04
